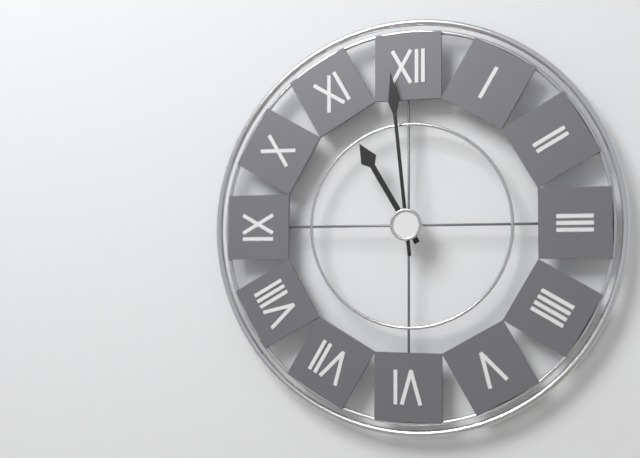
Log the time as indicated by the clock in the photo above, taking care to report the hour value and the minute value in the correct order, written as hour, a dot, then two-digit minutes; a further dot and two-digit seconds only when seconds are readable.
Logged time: 10.59
